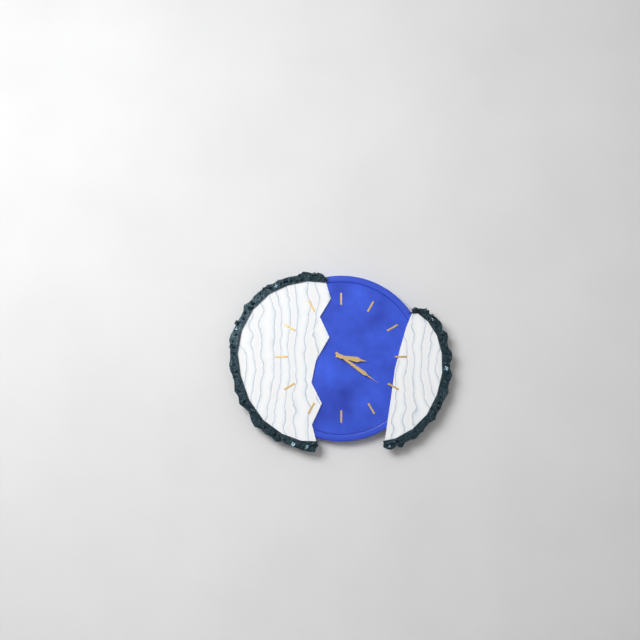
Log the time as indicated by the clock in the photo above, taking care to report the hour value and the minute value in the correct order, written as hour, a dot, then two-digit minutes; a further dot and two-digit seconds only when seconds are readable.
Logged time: 3.21
